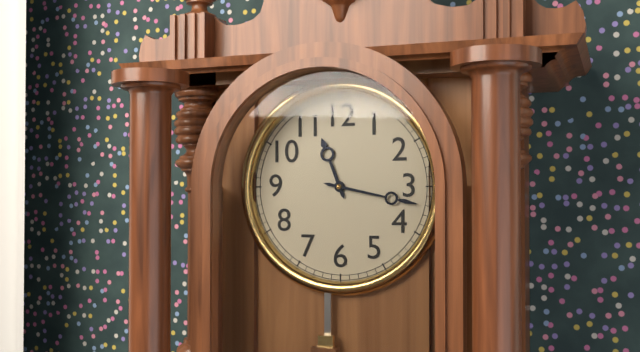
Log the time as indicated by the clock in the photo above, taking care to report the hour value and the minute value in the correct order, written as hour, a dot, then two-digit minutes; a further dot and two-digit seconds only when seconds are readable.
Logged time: 11.17
